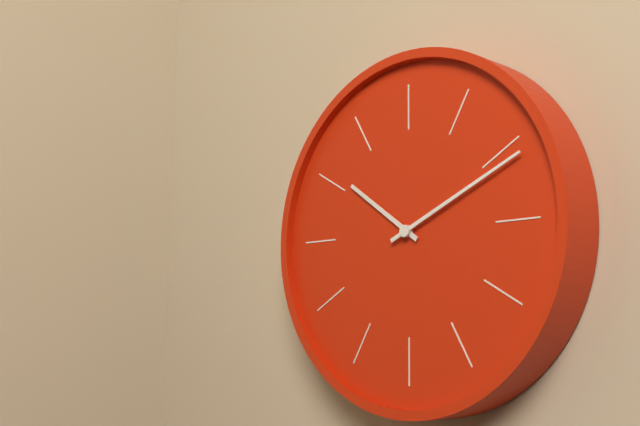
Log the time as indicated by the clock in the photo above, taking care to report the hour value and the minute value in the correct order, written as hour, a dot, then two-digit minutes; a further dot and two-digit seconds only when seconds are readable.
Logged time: 10.11
